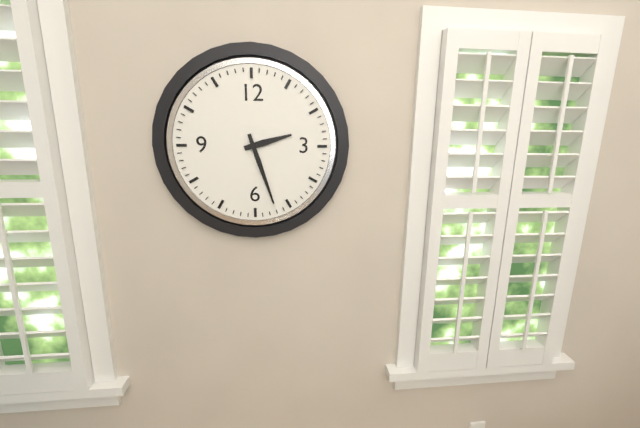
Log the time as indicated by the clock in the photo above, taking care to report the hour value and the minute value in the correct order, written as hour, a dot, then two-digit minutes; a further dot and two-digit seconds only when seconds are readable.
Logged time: 2.27
